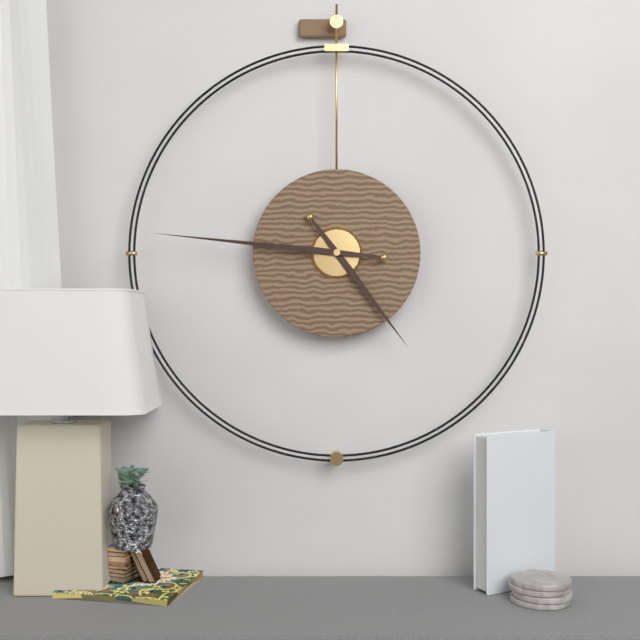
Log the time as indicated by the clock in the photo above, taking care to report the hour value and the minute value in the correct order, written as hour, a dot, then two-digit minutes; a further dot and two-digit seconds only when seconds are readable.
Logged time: 4.46
